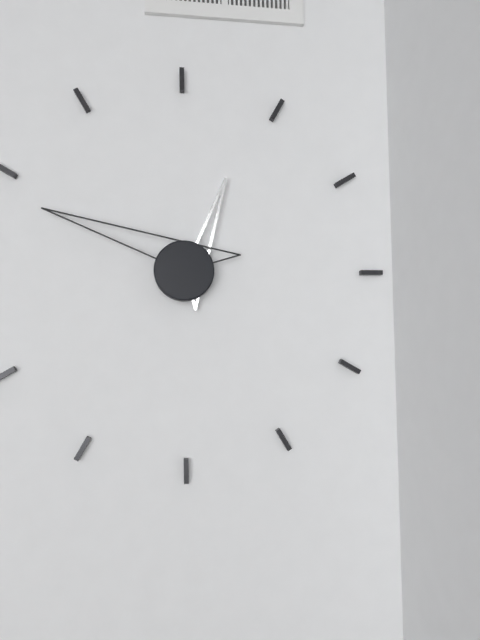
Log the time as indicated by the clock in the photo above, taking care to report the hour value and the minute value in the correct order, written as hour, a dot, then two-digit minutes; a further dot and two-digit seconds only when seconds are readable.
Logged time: 12.49
